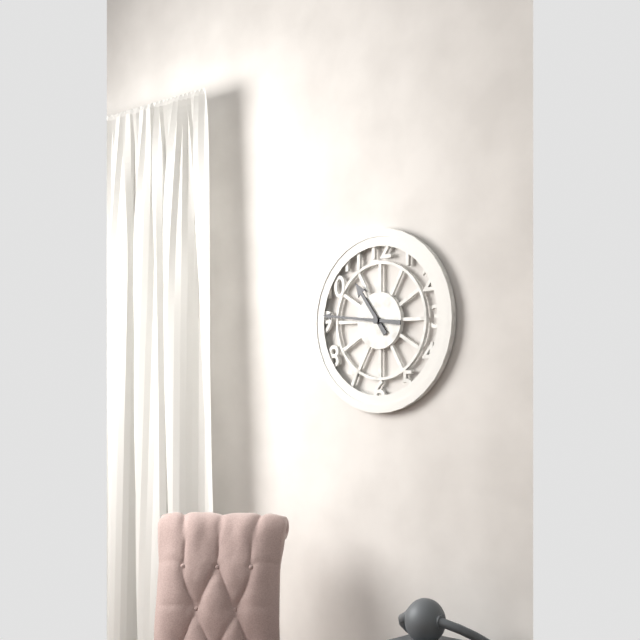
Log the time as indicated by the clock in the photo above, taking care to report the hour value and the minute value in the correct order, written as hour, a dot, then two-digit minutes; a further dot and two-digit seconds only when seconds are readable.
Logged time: 10.46
